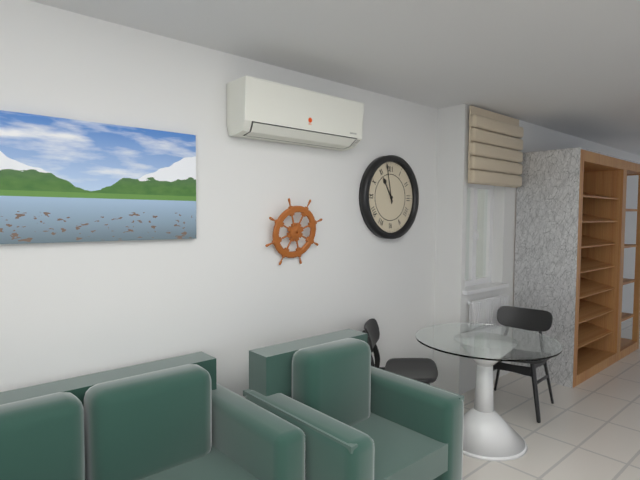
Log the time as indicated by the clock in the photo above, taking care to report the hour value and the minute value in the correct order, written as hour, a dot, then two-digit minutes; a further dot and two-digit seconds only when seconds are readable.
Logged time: 10.58
